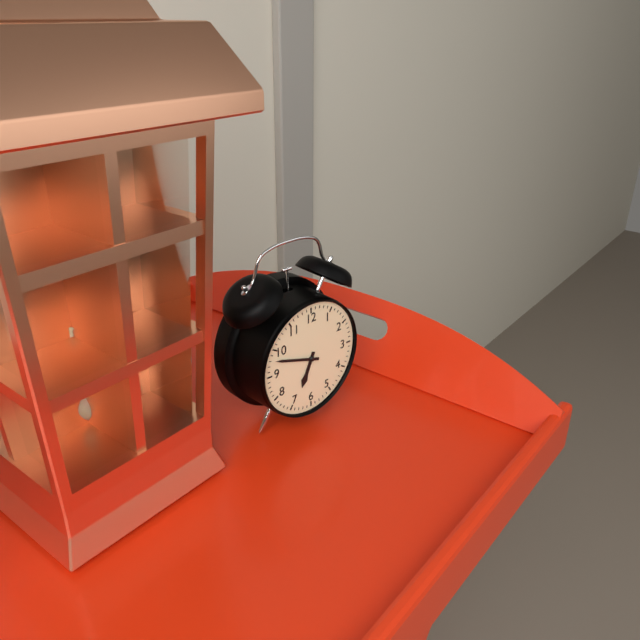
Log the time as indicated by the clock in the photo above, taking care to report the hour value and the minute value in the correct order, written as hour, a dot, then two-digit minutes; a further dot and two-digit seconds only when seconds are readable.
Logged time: 6.48
